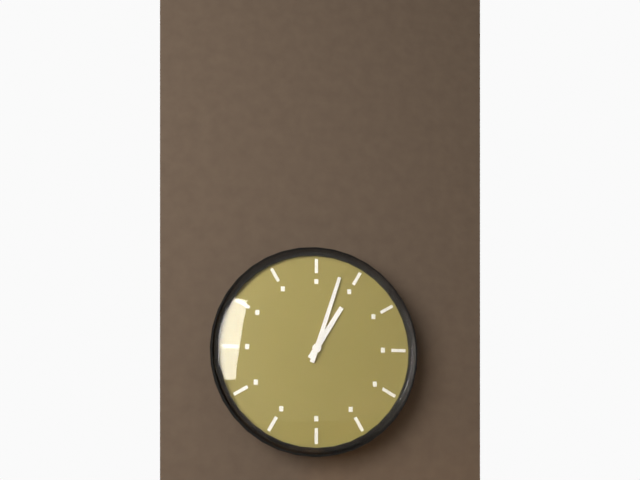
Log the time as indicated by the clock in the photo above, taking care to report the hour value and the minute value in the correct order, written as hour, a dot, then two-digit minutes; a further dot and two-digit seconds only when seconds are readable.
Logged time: 1.03
